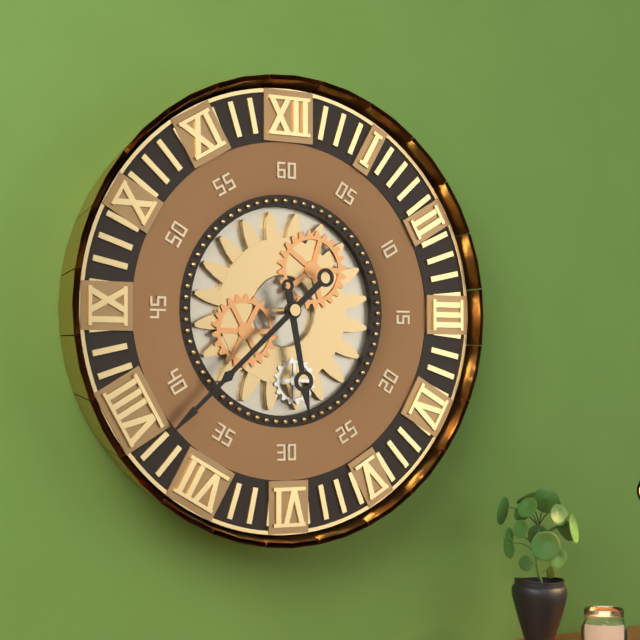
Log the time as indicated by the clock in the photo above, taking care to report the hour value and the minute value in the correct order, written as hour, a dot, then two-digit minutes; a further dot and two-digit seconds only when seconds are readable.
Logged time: 5.38
